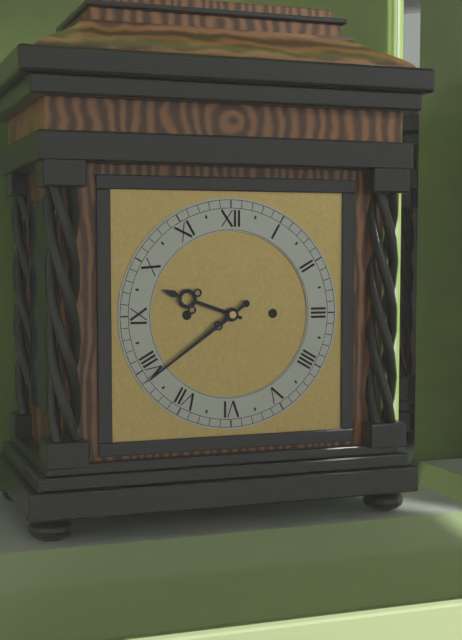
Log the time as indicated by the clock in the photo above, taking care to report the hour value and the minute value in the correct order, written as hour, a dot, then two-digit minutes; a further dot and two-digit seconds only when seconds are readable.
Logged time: 9.39
